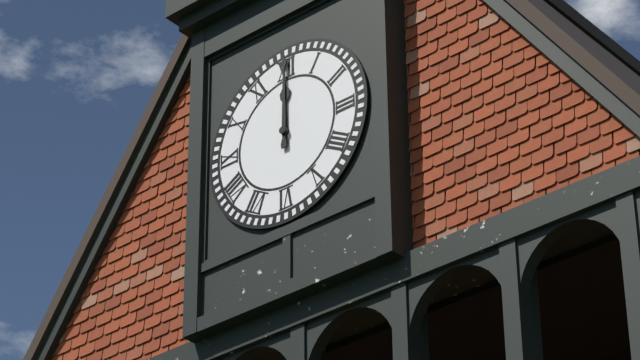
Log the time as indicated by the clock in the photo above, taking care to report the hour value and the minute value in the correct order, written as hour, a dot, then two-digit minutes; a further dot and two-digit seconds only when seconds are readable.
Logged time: 12.00
